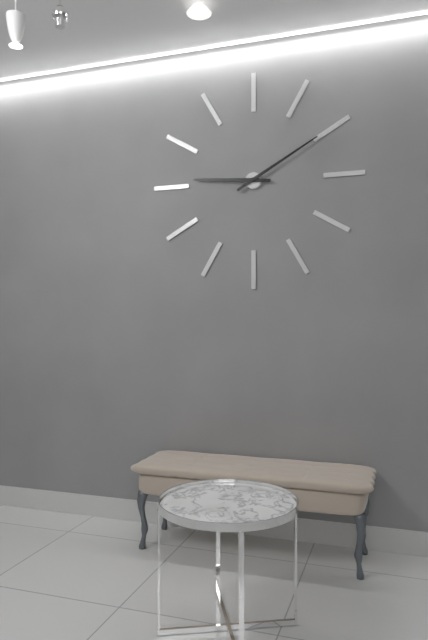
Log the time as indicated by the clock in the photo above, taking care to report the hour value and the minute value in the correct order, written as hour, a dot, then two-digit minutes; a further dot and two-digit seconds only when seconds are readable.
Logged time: 9.10
